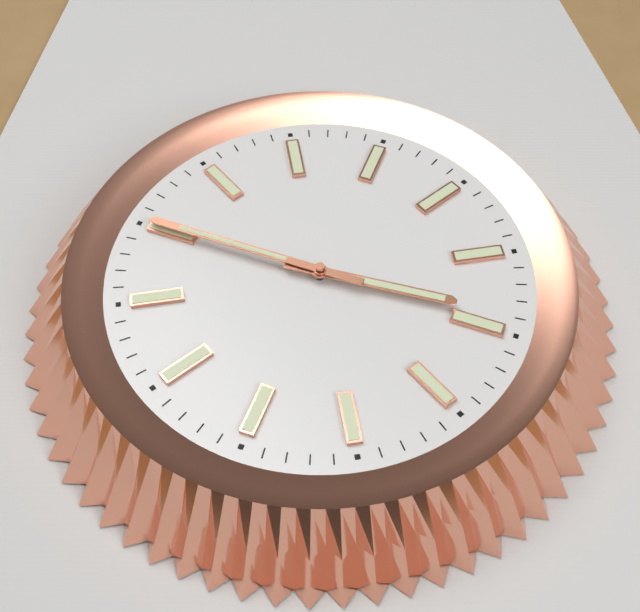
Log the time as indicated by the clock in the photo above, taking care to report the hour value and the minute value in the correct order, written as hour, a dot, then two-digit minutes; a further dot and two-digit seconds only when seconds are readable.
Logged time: 3.50
